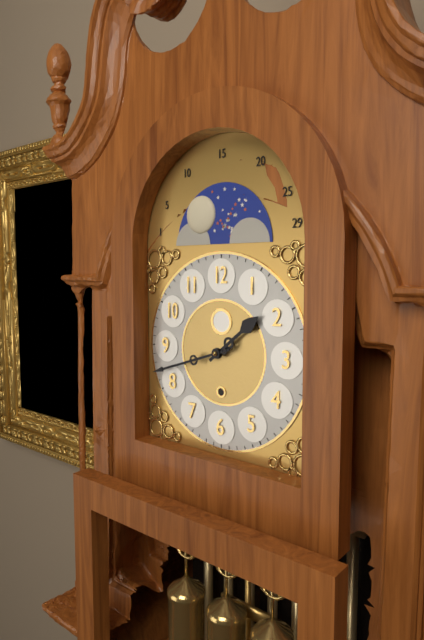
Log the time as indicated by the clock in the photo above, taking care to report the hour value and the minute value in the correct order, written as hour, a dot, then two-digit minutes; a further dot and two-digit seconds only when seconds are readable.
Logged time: 1.42
